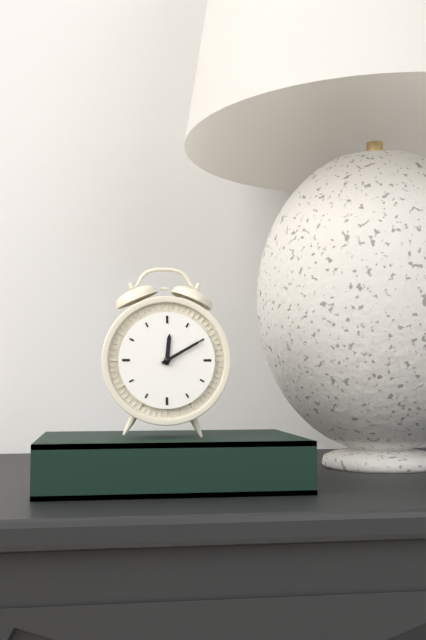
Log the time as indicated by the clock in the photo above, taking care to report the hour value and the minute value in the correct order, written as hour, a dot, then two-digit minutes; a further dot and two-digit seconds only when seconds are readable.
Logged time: 12.10
